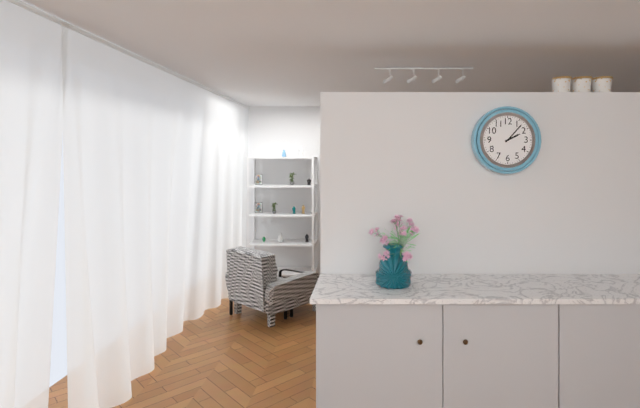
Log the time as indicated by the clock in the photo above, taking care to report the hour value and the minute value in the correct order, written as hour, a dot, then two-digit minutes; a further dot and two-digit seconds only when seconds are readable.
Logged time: 2.07
